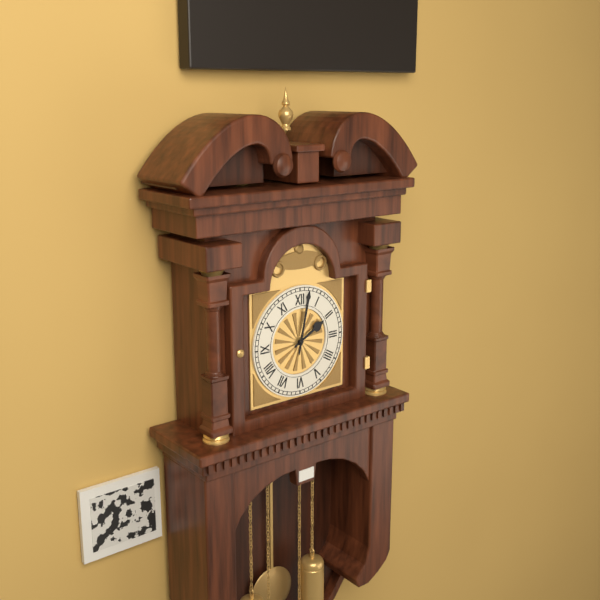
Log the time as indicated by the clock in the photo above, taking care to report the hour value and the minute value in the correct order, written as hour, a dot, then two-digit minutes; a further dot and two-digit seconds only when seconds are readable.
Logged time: 2.02
